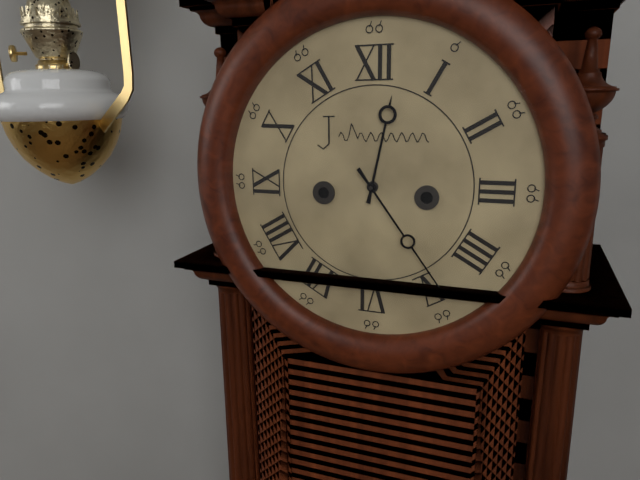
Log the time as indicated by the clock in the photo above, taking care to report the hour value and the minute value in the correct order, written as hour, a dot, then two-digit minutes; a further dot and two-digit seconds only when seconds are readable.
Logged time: 12.24
